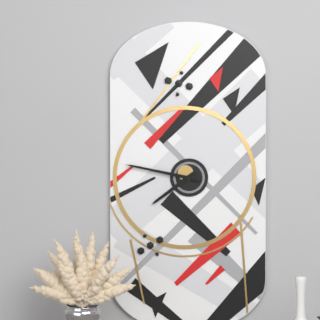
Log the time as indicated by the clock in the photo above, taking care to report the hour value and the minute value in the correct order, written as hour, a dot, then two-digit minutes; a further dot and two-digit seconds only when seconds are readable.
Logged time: 7.47
